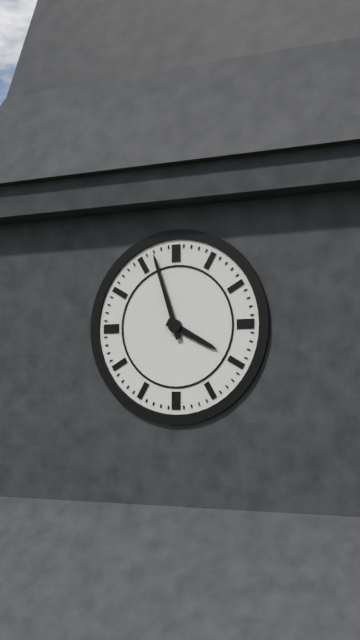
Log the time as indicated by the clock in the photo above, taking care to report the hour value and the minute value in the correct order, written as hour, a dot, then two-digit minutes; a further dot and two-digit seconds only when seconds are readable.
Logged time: 3.57
